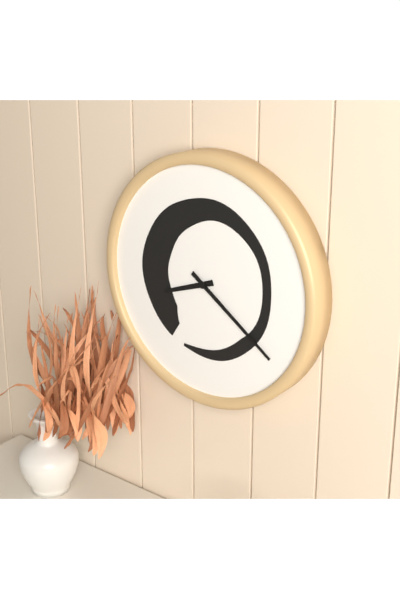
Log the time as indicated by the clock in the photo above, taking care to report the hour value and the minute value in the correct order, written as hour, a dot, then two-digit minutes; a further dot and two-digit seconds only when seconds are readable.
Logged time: 8.21
